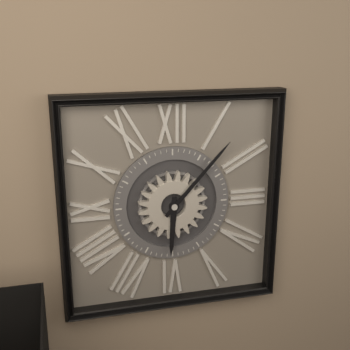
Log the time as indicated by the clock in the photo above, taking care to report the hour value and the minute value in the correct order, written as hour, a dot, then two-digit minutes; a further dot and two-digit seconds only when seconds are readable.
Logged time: 6.07
